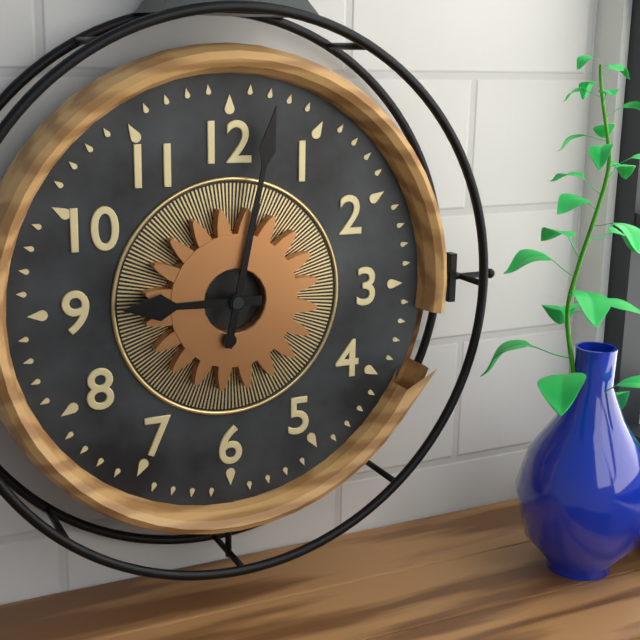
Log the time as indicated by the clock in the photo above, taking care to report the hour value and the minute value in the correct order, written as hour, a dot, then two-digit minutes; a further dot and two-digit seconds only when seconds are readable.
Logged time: 9.02
